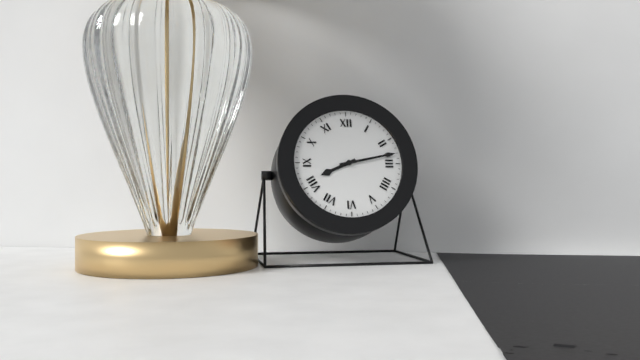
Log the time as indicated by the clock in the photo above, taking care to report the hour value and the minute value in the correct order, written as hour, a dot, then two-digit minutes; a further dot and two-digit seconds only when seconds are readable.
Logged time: 8.13
